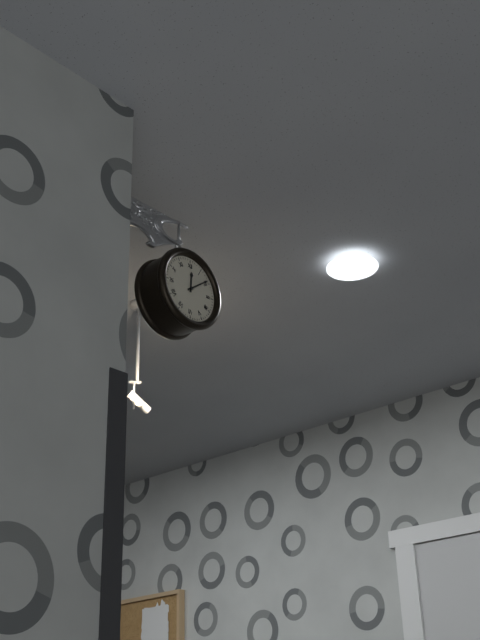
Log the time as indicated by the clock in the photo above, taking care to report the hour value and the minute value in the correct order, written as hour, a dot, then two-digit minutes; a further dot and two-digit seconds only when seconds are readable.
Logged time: 12.09
